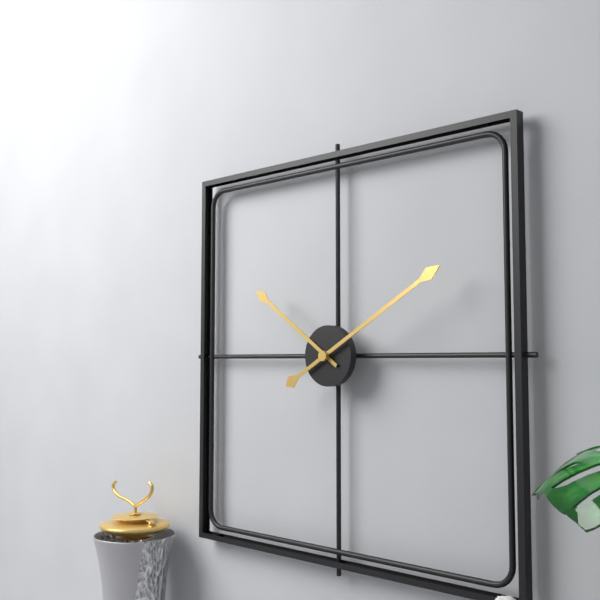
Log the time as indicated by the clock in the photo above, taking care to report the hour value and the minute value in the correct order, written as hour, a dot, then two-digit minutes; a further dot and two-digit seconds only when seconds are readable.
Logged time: 10.10
